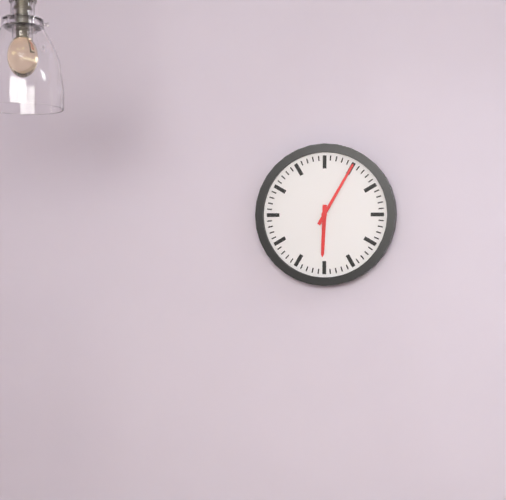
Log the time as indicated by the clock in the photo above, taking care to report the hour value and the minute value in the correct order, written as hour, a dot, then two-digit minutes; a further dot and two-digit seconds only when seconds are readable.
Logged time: 6.05
